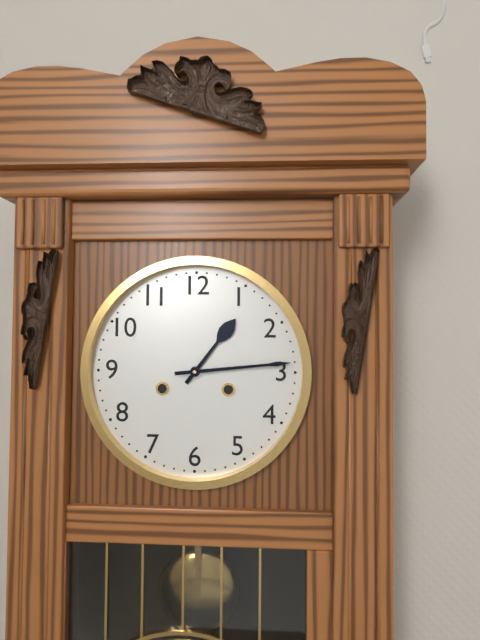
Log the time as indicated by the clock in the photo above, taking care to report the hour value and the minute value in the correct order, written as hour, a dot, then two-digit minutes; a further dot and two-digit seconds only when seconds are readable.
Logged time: 1.14
